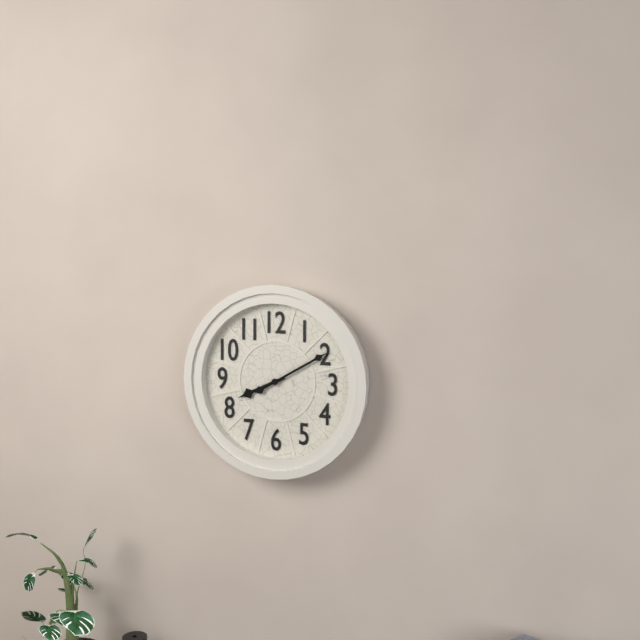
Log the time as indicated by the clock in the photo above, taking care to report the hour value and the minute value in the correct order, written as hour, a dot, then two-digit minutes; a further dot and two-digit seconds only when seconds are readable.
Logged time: 8.10
